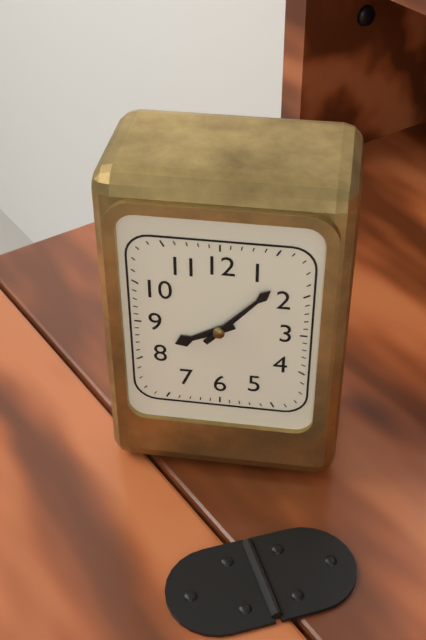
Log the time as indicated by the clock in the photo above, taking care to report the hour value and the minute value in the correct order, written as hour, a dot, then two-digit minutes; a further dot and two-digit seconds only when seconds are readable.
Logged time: 8.07
